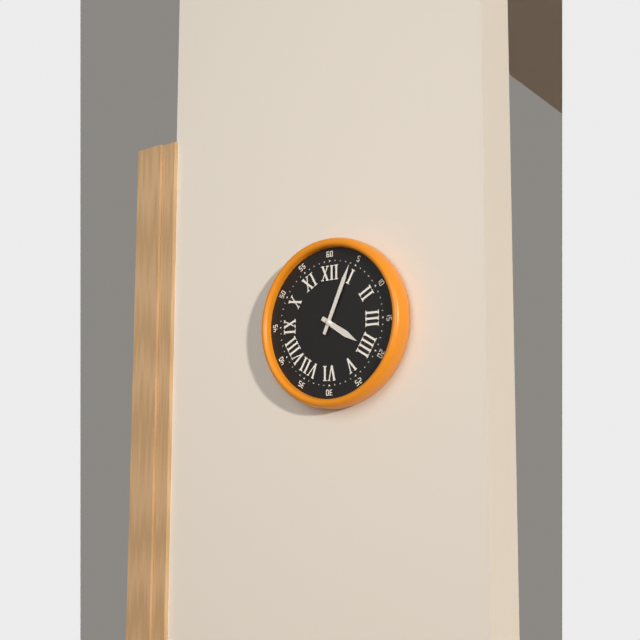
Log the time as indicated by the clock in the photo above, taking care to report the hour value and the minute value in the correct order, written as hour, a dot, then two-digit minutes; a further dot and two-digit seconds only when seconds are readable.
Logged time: 4.04
